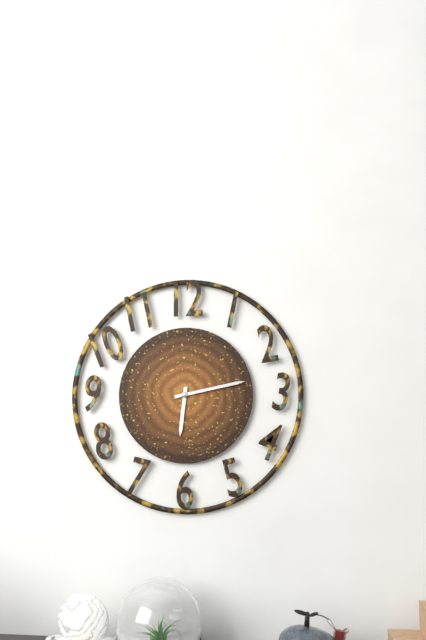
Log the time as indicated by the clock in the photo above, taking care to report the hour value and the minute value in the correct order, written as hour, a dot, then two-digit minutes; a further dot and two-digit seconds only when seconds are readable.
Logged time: 6.13
